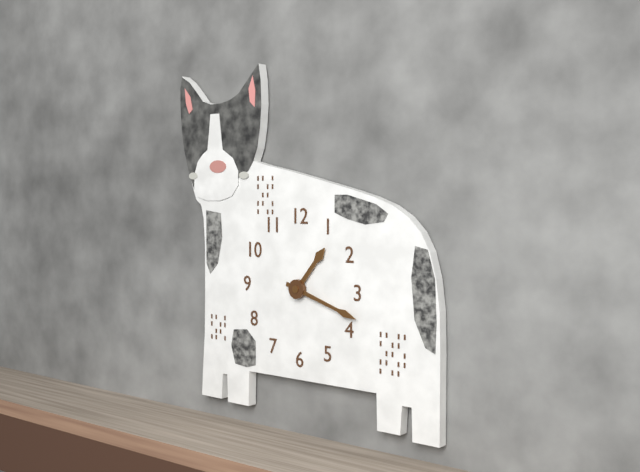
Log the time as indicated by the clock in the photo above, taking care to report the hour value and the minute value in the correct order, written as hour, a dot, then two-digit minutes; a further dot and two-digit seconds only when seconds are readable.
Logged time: 1.18
